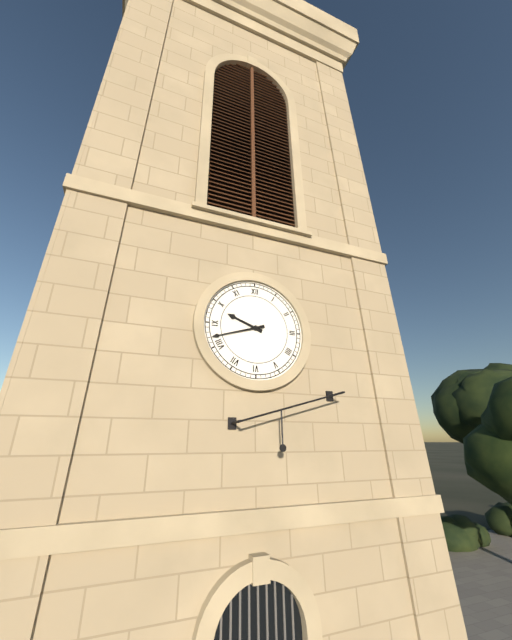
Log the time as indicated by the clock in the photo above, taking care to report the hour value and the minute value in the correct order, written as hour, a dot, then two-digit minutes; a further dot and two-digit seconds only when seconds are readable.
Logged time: 9.42
